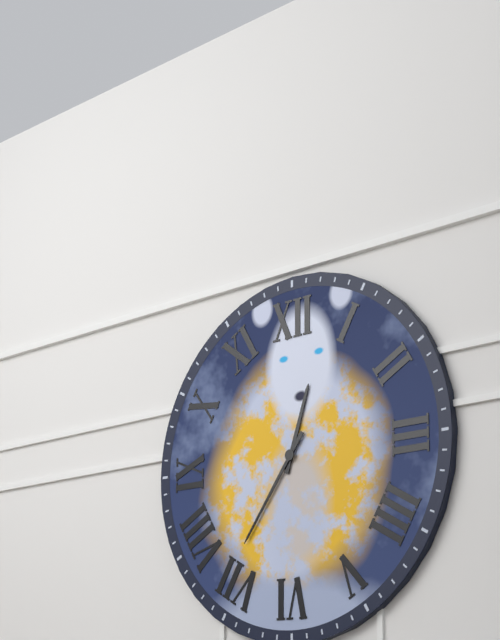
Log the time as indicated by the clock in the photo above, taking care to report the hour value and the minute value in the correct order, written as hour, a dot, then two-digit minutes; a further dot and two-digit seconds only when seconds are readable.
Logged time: 12.36
